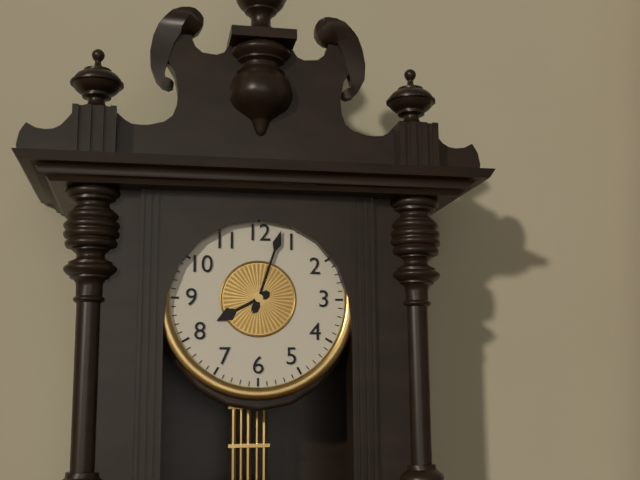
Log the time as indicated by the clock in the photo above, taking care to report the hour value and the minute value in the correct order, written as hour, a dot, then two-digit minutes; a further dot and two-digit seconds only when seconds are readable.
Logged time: 8.03
